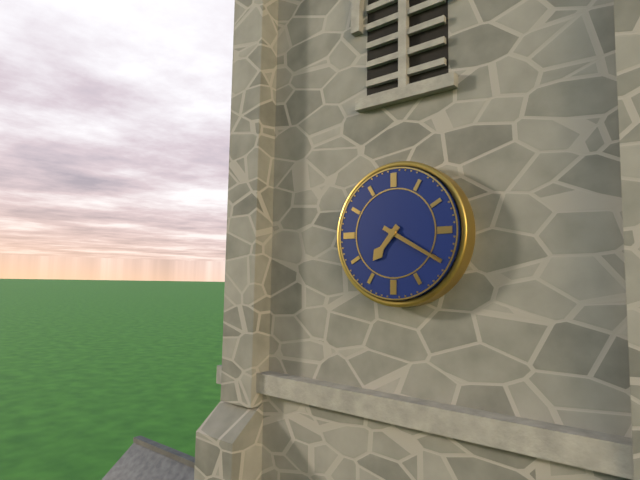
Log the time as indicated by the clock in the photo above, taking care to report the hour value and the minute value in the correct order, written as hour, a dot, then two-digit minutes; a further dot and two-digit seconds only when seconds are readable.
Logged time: 7.20
